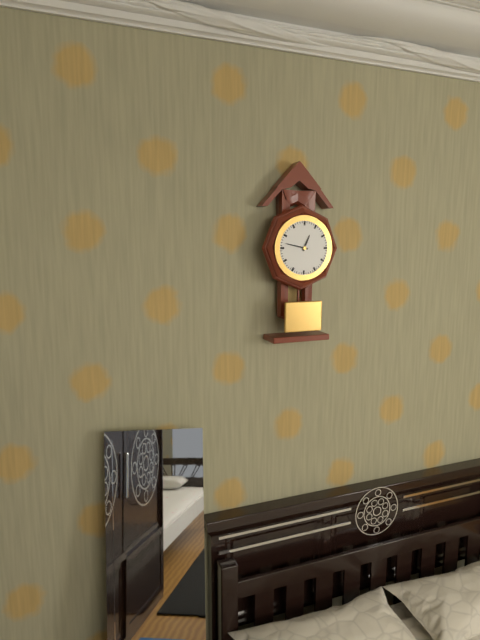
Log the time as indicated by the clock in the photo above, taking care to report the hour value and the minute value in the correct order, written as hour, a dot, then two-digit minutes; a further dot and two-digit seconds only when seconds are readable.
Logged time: 12.47
